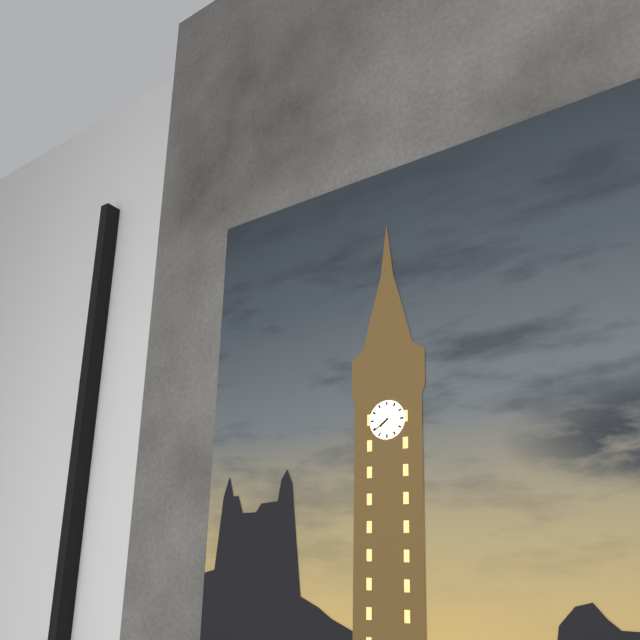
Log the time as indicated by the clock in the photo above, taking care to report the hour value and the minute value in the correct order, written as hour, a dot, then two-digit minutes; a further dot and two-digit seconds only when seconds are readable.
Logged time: 7.39
